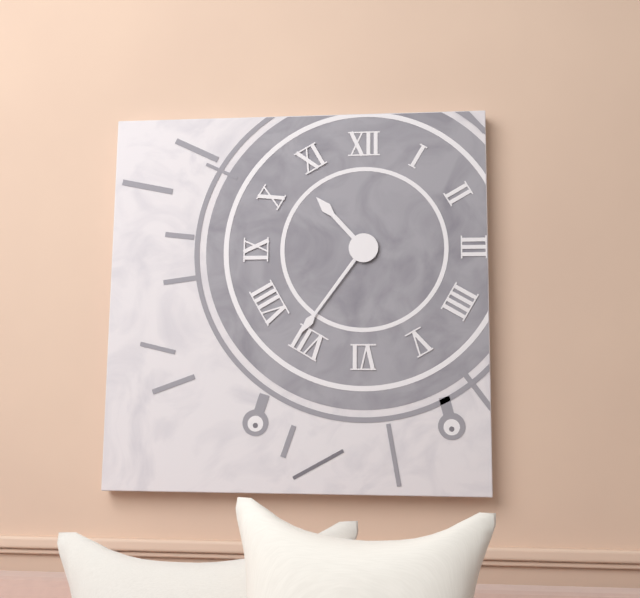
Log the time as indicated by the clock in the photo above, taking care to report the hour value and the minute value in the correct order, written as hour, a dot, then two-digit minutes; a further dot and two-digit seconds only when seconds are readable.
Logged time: 10.36
